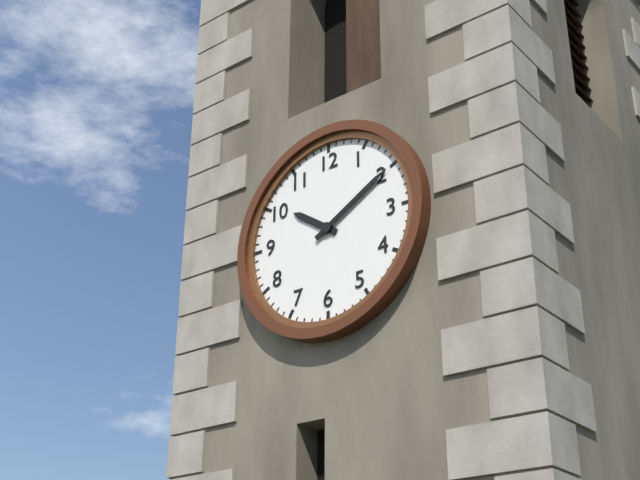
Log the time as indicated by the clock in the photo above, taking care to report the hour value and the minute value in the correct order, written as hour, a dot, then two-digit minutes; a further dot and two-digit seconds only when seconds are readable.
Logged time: 10.10
